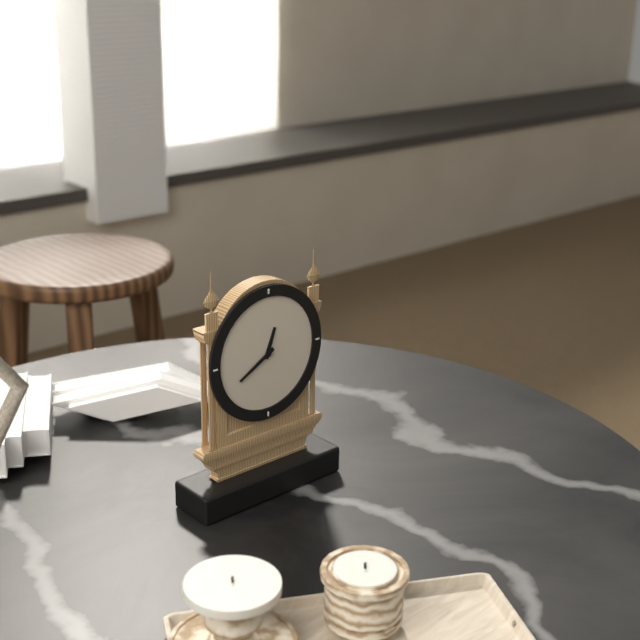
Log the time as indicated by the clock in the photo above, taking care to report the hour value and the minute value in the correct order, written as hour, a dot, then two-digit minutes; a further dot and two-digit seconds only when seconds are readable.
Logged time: 12.40
